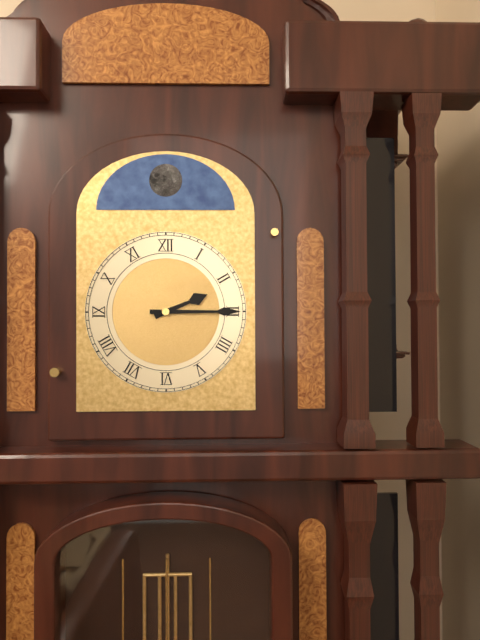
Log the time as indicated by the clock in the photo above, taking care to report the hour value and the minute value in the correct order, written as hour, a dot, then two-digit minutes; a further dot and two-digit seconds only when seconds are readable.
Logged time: 2.15
